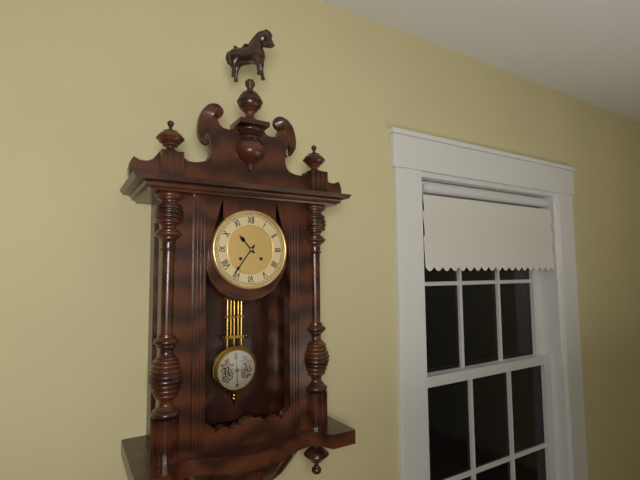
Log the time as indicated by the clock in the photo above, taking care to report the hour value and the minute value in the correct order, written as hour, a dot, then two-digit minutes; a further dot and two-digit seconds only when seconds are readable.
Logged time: 10.36
